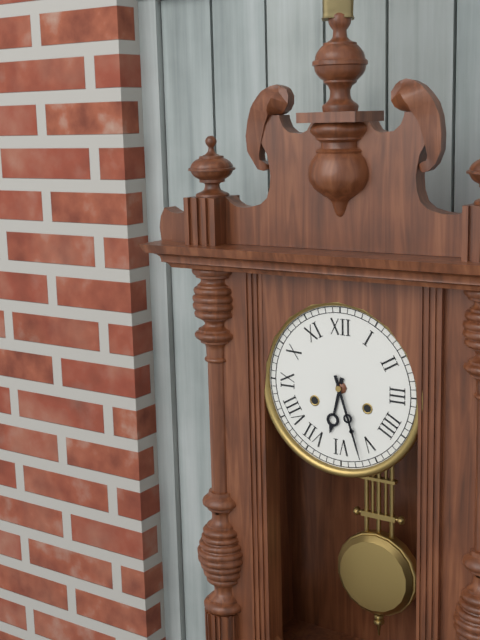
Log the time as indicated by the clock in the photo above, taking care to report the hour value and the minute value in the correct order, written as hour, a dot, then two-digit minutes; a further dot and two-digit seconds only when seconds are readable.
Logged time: 6.27
